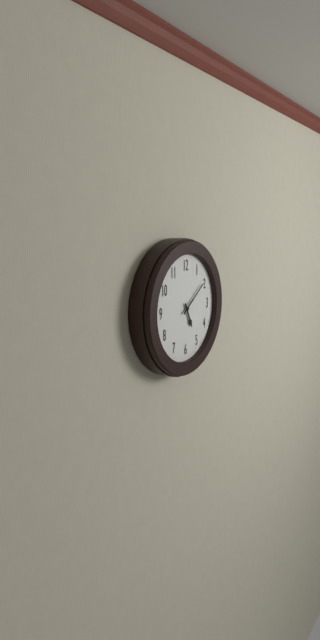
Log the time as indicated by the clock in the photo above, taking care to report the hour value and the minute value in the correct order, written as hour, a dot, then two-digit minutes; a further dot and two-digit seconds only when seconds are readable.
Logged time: 5.09
